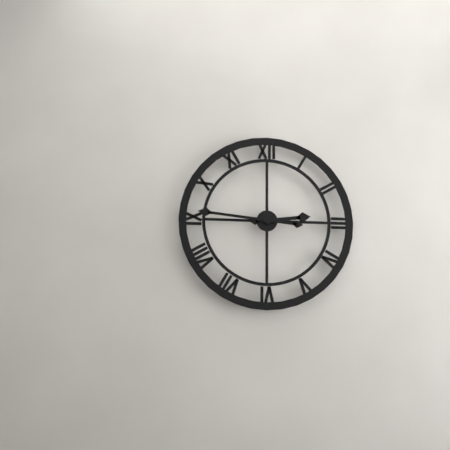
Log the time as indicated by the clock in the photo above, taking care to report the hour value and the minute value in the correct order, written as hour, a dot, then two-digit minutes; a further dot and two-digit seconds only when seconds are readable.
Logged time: 2.46
